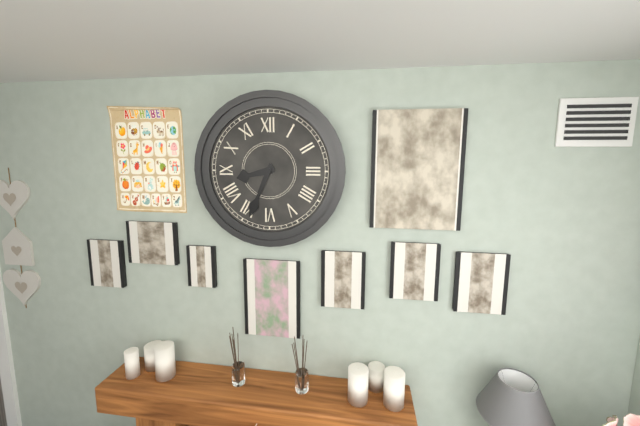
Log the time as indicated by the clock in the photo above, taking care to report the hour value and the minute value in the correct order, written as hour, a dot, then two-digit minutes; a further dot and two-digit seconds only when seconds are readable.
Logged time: 8.34
